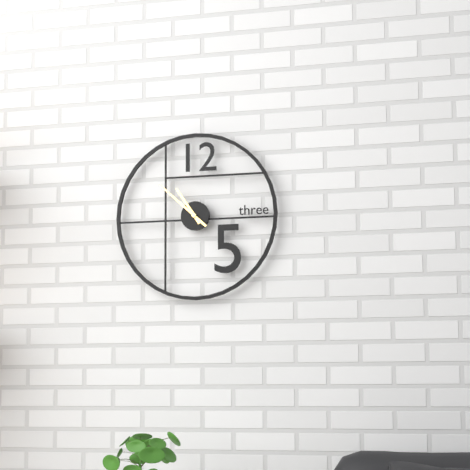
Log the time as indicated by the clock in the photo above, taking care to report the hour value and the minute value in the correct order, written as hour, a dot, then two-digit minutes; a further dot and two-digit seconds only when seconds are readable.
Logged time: 10.52
